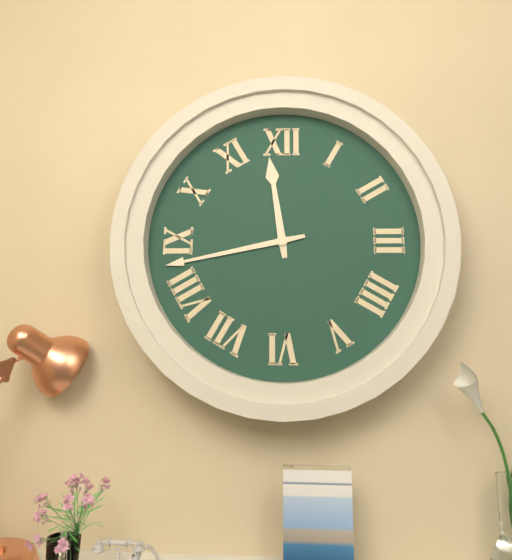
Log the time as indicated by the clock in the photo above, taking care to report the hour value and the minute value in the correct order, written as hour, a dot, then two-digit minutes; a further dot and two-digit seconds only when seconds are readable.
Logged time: 11.43
